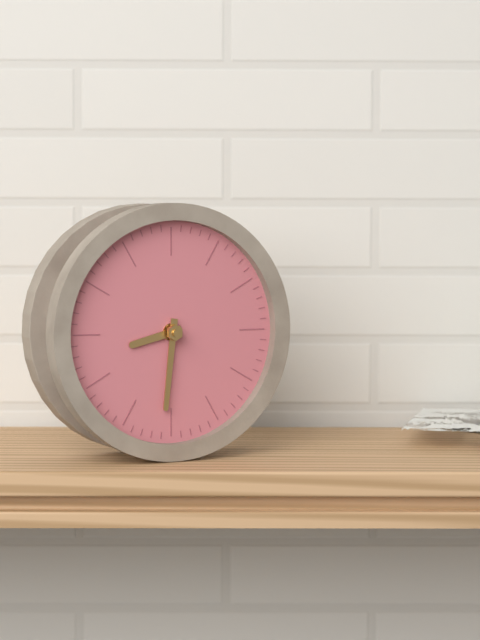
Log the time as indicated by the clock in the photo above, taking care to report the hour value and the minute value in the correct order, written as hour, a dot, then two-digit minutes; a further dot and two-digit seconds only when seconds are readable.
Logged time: 8.31
